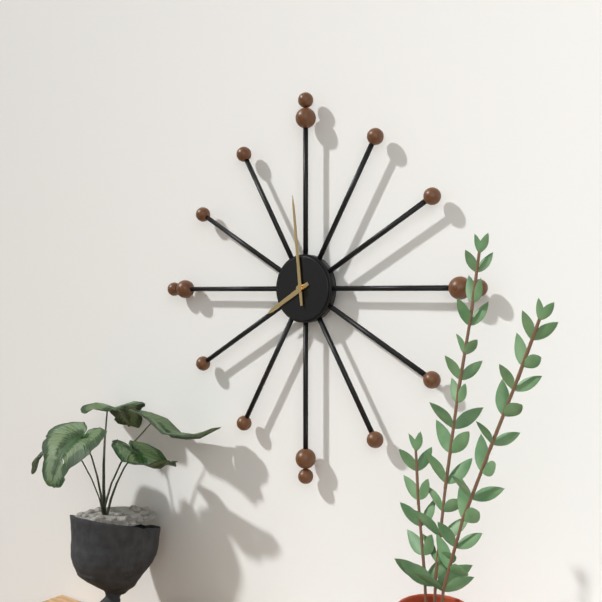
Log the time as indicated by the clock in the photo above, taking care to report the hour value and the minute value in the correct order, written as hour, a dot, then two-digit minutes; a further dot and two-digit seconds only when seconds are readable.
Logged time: 7.59
